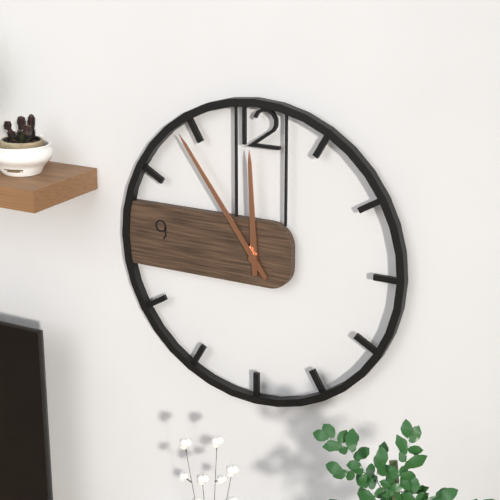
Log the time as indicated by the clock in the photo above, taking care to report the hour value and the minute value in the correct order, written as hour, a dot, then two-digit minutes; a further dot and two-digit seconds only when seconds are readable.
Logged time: 11.54
